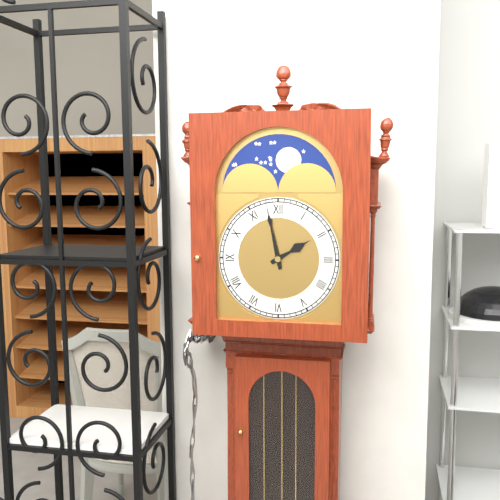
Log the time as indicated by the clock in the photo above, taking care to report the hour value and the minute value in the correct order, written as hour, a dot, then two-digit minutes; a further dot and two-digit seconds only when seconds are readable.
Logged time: 1.58
